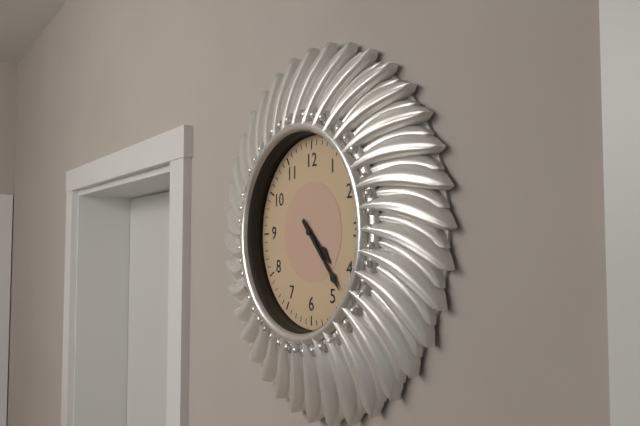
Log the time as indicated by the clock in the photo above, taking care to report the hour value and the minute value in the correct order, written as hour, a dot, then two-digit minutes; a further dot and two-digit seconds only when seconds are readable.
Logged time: 4.23
